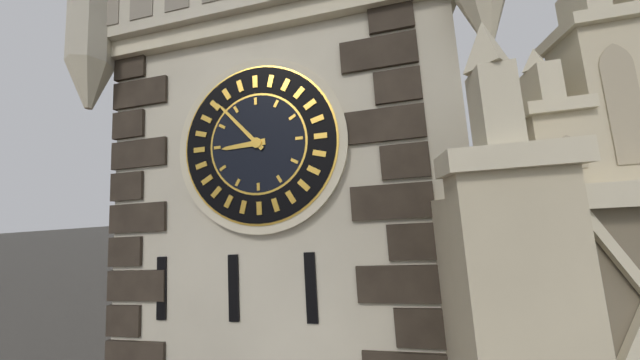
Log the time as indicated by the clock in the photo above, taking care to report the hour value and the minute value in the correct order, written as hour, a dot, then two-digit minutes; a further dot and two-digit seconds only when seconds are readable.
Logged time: 8.53
